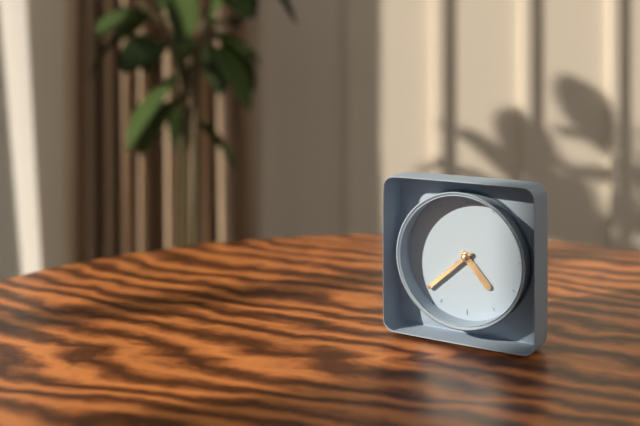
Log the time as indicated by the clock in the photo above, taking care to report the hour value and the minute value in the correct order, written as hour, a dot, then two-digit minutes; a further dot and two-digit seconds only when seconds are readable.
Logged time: 4.38
